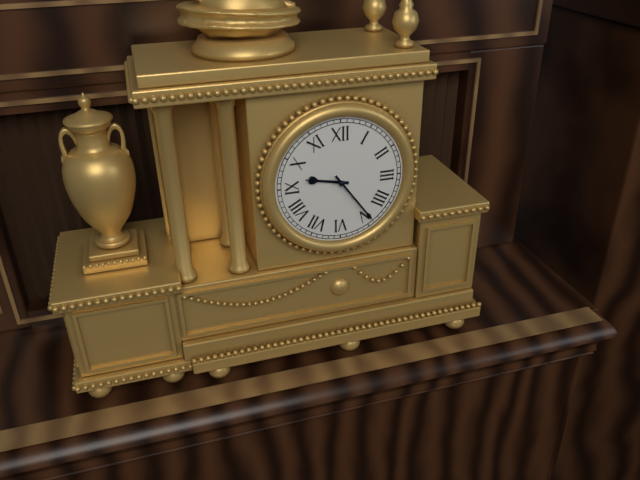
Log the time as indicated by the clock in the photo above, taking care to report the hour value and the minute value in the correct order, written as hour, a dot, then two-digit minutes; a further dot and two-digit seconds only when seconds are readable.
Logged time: 9.24
